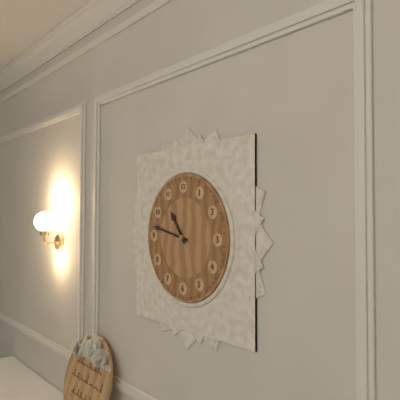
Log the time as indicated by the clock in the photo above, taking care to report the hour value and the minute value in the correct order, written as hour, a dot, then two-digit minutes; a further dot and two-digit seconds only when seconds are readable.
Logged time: 10.47
